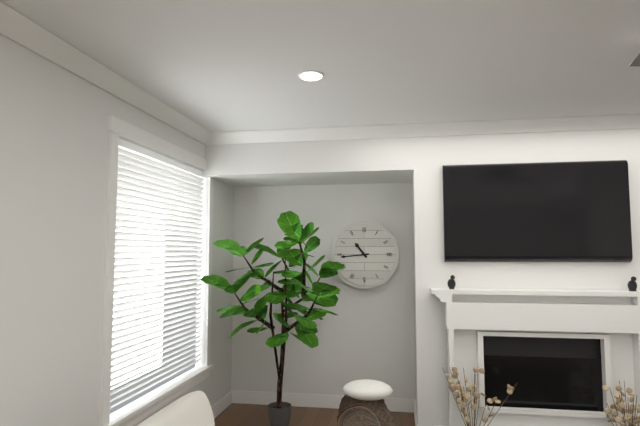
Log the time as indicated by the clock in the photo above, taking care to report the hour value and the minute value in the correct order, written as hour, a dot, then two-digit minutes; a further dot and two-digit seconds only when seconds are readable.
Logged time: 10.44
